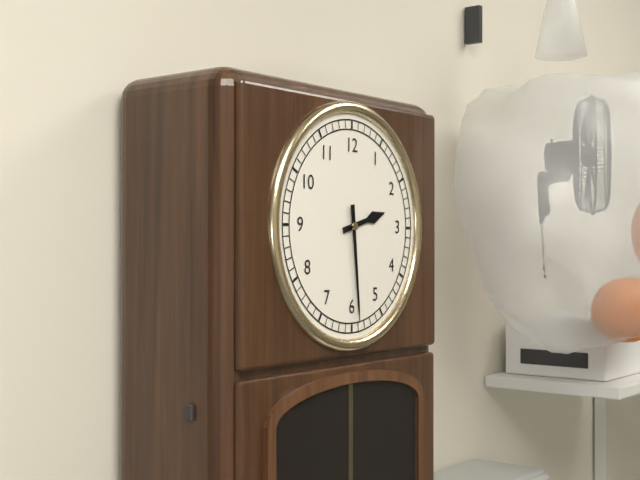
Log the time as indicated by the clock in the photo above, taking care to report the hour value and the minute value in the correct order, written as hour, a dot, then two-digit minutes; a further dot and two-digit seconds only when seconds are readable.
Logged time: 2.29
